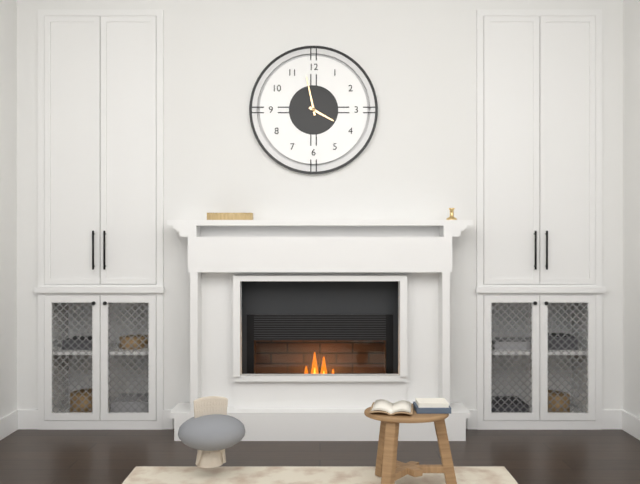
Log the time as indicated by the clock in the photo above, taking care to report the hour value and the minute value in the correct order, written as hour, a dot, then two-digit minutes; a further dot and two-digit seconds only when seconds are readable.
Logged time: 3.58
